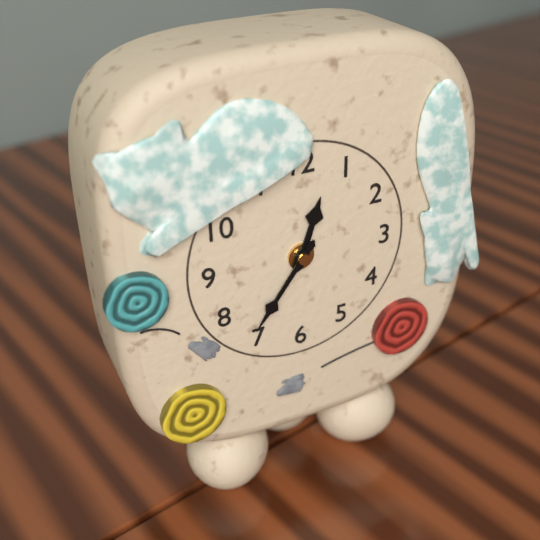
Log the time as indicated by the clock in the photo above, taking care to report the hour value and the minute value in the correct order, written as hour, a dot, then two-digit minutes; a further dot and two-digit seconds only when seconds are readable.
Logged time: 12.36
